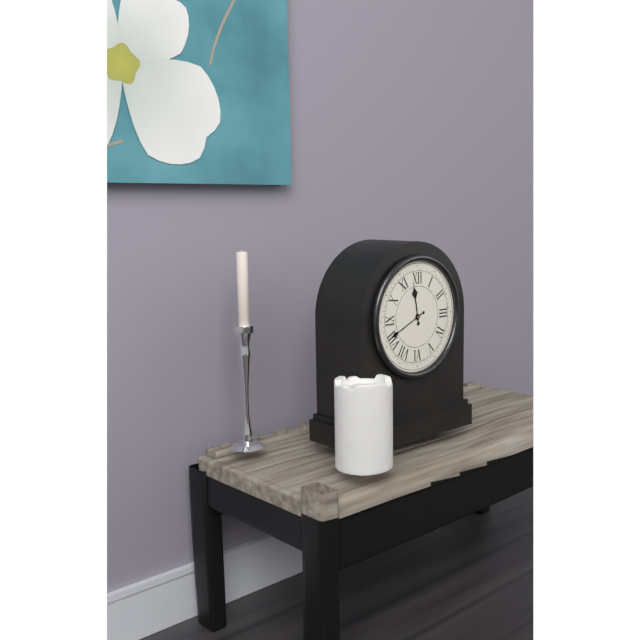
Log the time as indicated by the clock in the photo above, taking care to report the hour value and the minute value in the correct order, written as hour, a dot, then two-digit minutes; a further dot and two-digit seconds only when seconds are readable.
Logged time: 11.41
